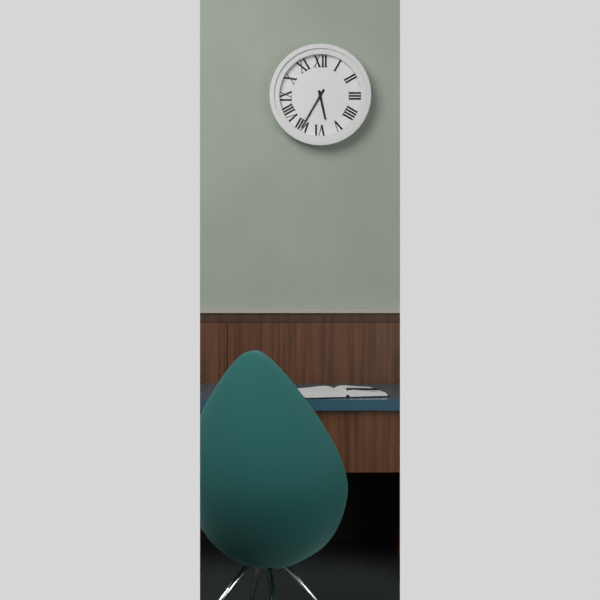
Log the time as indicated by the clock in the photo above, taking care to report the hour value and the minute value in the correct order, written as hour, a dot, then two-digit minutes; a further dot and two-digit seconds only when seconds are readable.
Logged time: 5.35
